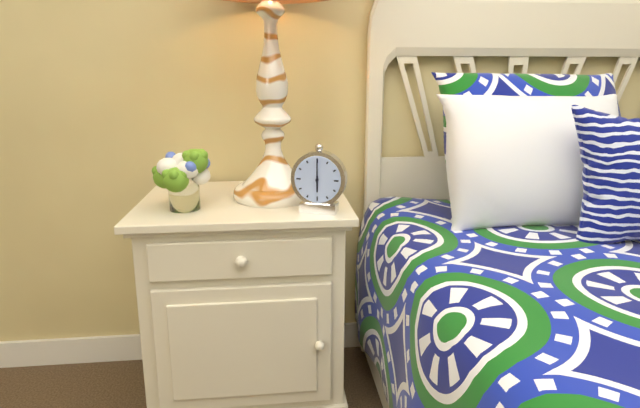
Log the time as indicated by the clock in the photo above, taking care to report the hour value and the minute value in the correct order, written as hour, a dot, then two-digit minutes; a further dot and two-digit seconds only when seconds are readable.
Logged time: 6.00
